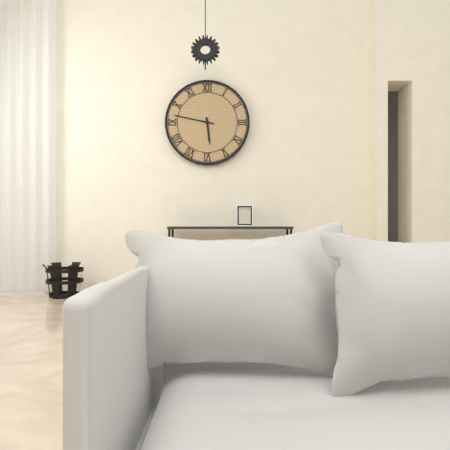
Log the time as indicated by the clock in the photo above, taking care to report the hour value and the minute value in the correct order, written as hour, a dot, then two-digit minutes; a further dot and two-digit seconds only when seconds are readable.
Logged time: 5.47
